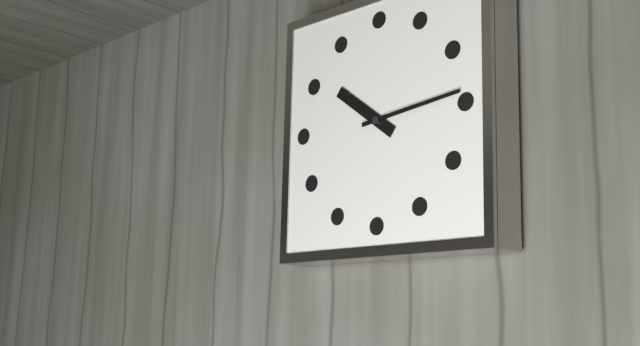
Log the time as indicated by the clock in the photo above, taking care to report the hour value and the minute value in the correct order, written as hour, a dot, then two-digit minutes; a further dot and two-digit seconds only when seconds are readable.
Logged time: 10.14
